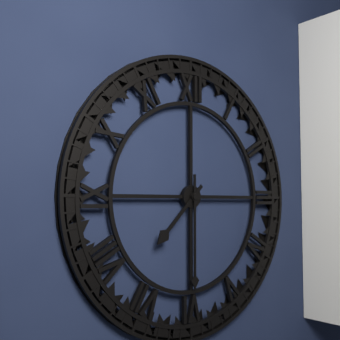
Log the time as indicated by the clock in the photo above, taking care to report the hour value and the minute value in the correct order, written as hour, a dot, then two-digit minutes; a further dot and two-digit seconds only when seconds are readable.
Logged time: 7.30
